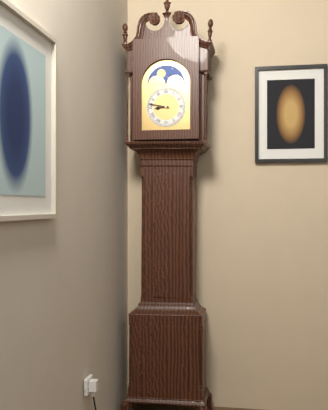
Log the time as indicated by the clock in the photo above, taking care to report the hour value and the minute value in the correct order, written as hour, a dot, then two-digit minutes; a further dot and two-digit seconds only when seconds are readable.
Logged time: 8.47
